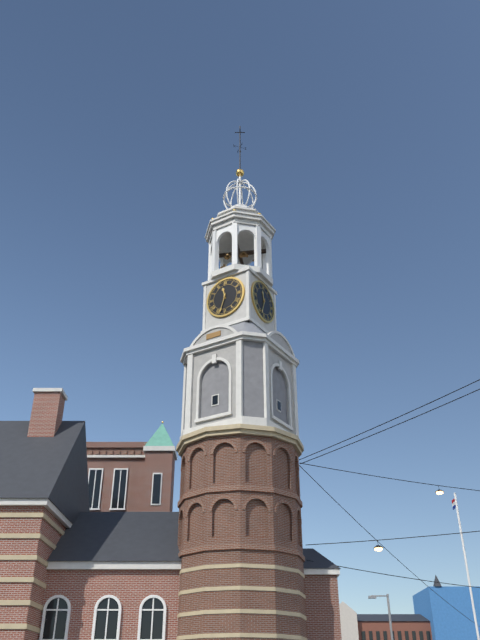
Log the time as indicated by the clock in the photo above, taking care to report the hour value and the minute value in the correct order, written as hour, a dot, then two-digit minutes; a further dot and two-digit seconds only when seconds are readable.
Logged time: 11.33
